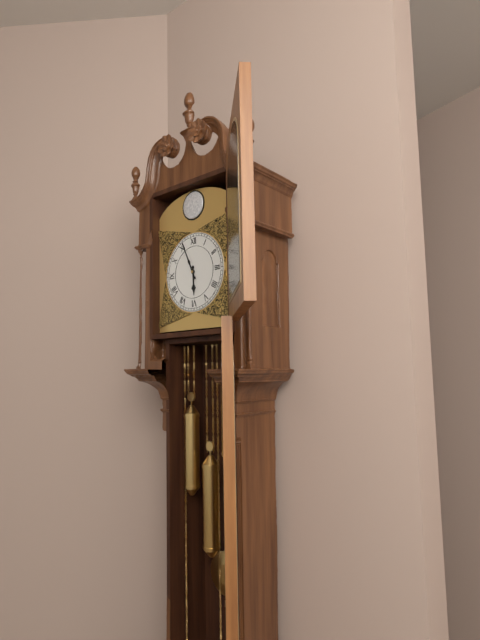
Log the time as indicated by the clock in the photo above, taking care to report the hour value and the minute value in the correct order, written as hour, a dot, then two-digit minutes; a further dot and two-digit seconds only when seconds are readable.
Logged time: 5.56
